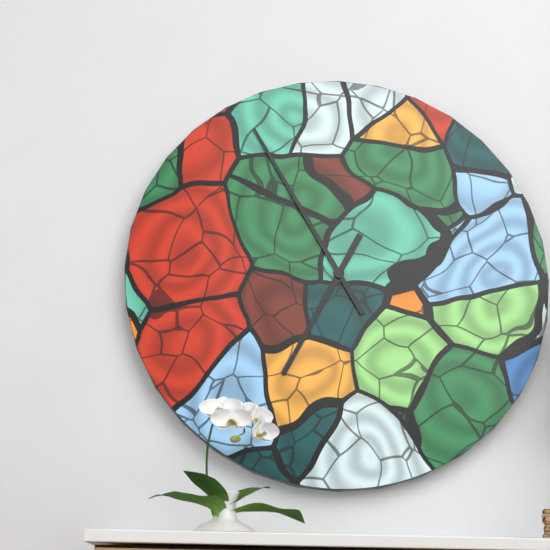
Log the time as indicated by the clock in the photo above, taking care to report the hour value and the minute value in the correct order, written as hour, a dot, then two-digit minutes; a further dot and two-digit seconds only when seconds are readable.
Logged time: 6.55
